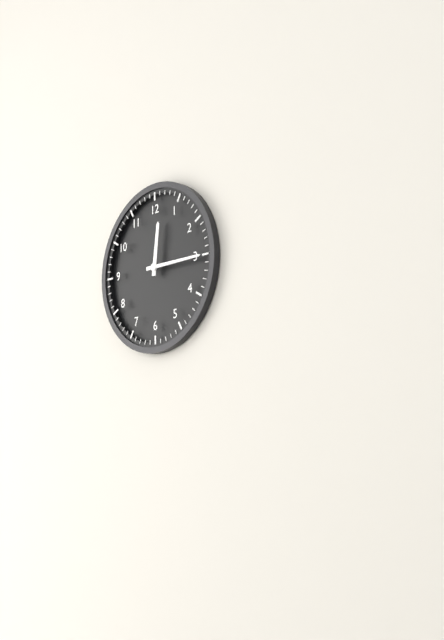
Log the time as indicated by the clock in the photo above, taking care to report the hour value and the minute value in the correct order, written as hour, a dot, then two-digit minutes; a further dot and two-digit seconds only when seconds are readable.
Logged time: 12.15
